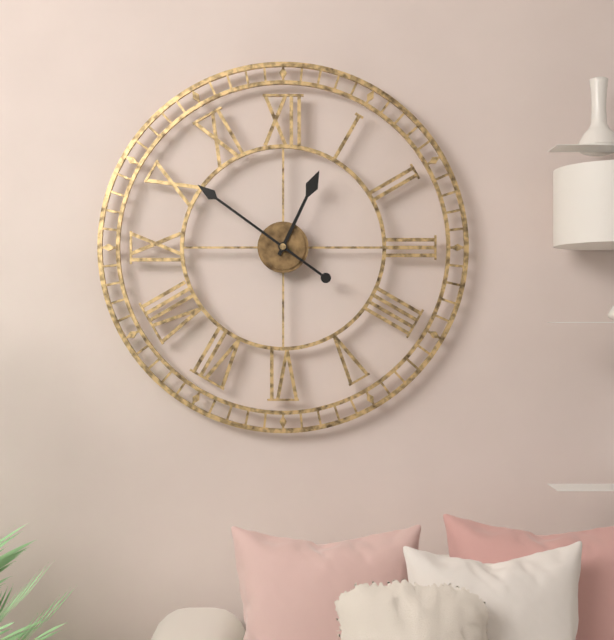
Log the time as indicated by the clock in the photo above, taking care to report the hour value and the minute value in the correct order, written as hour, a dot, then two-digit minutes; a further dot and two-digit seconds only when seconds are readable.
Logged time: 12.51
